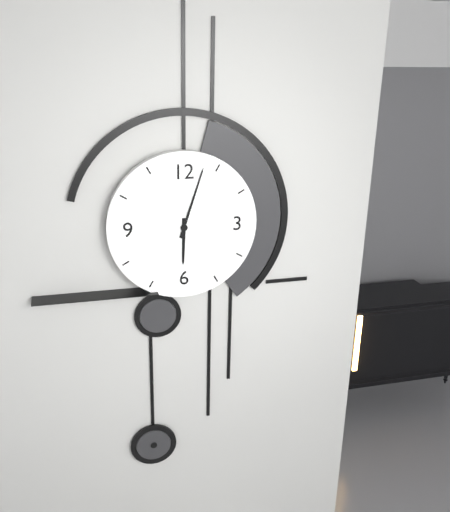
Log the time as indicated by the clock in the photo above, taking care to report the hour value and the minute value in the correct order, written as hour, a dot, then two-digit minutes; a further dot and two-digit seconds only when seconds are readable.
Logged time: 6.03
